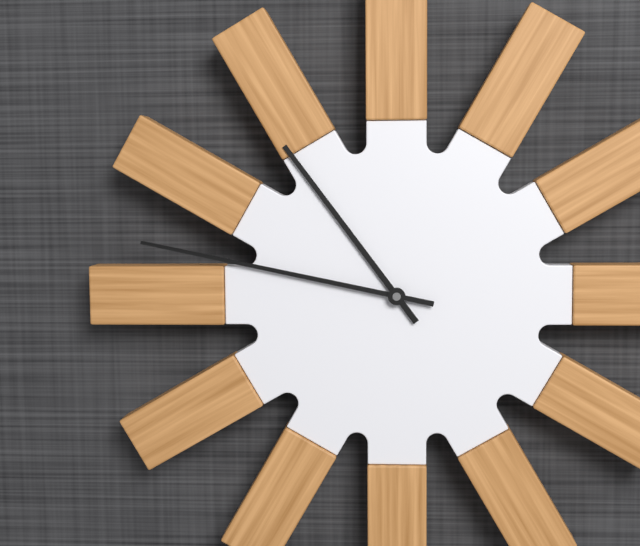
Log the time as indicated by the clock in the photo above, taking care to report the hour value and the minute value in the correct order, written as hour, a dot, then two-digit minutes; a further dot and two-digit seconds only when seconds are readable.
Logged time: 10.47
